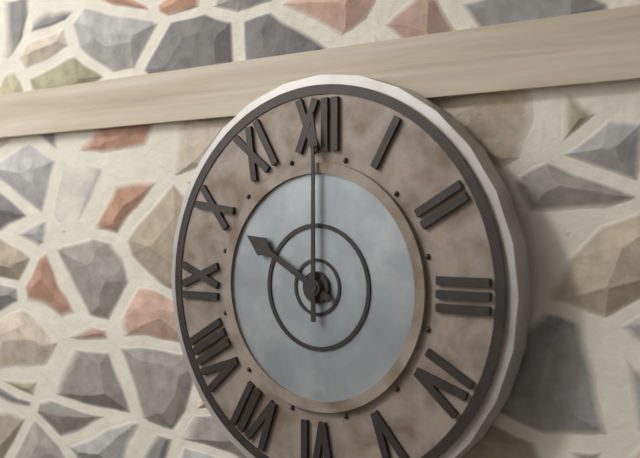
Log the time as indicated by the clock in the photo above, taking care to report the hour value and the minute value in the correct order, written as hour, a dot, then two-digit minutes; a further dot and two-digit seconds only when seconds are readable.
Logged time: 10.00
